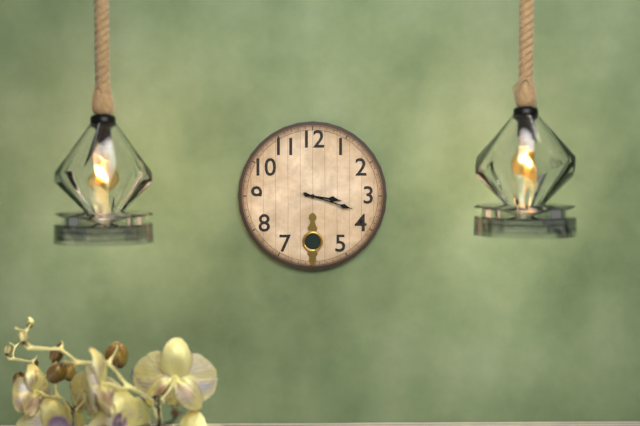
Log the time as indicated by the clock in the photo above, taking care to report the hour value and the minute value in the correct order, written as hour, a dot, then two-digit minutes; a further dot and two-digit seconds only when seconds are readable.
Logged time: 3.18
